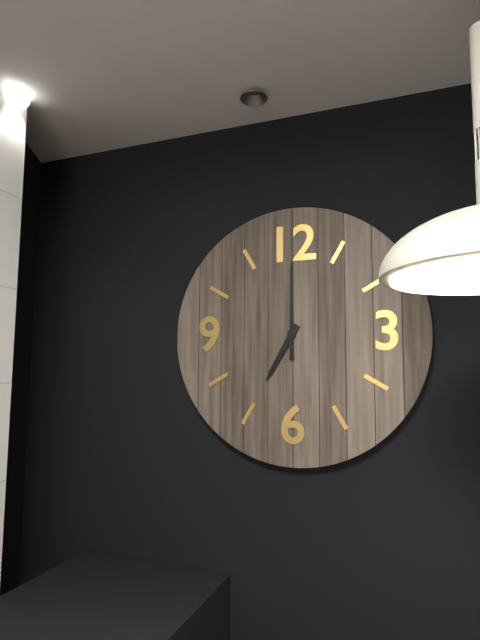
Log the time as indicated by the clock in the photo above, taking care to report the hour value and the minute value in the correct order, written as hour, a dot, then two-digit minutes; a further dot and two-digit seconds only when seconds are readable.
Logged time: 7.00
